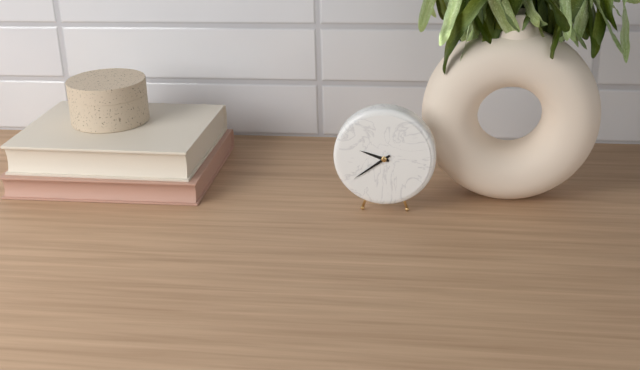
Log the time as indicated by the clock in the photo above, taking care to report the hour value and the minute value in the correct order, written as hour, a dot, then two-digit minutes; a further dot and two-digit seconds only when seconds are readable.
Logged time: 9.39
